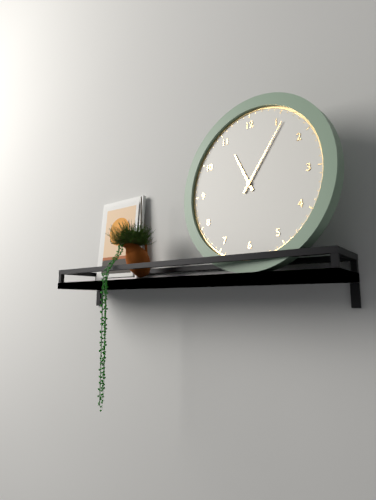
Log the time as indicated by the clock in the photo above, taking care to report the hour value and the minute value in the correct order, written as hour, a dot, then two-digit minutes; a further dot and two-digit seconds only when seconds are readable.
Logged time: 11.06
